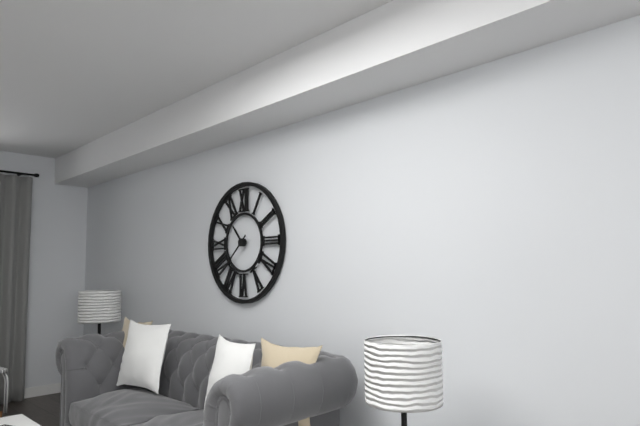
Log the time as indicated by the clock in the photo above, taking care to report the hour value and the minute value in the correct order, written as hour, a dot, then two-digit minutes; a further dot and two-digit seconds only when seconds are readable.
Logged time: 10.38
